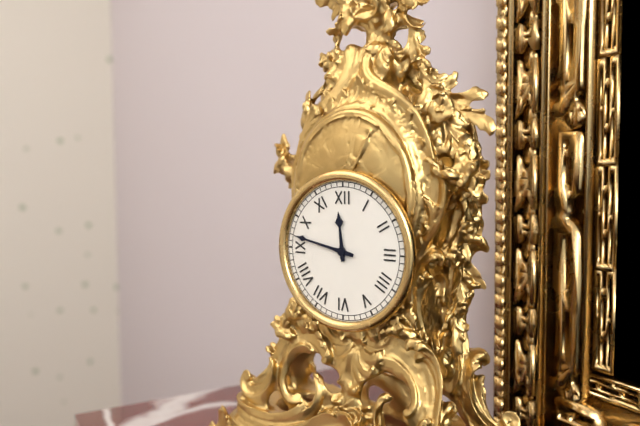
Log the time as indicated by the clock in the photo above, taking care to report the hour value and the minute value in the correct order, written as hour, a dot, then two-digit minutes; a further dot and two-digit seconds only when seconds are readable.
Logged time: 11.47
